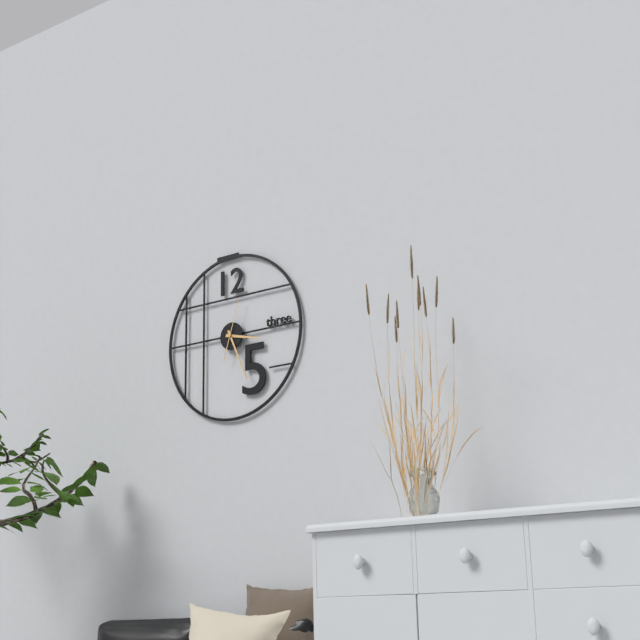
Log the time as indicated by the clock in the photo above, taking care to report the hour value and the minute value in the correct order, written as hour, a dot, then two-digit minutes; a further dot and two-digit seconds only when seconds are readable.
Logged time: 3.26
